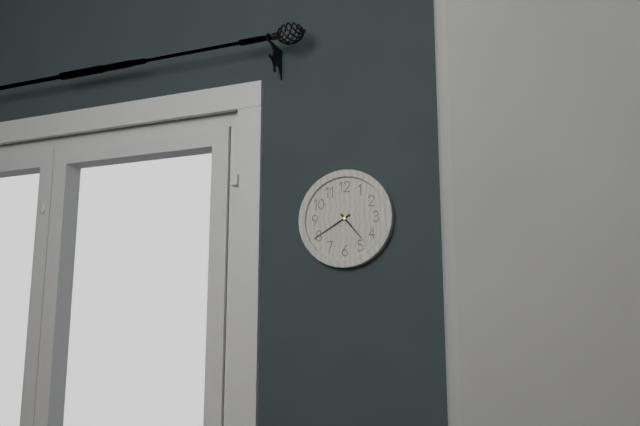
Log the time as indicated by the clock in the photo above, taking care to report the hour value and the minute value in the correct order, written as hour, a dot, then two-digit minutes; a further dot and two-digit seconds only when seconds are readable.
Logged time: 4.40
